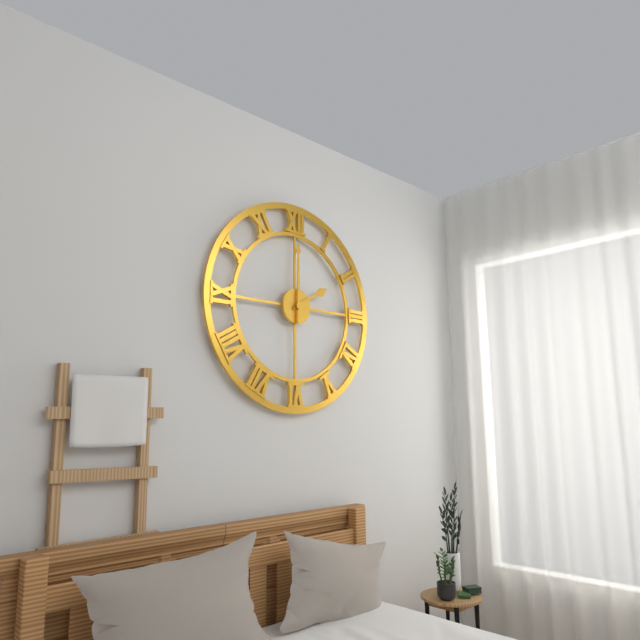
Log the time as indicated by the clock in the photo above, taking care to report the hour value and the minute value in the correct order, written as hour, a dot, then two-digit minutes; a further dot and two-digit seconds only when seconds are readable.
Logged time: 2.00
